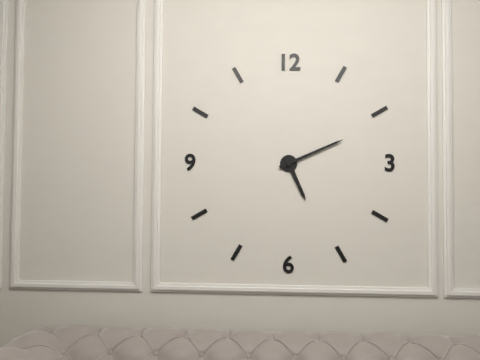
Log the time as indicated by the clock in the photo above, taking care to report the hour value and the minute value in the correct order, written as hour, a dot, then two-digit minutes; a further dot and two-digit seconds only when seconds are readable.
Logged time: 5.11
